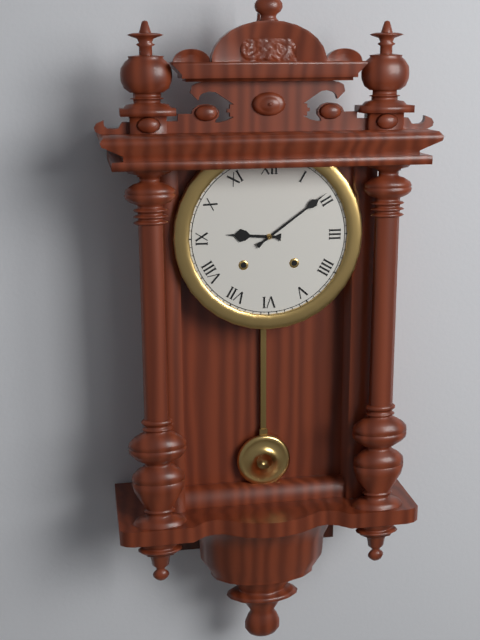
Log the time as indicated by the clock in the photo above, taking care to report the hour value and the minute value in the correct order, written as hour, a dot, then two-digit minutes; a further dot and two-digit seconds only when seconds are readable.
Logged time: 9.09
